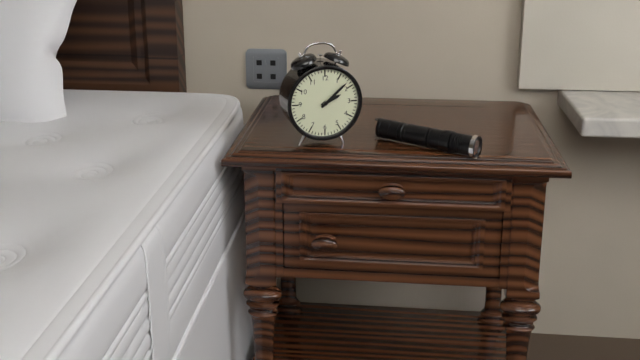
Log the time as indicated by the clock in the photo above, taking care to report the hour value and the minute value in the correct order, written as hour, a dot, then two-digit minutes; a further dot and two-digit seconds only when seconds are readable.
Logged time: 2.08
